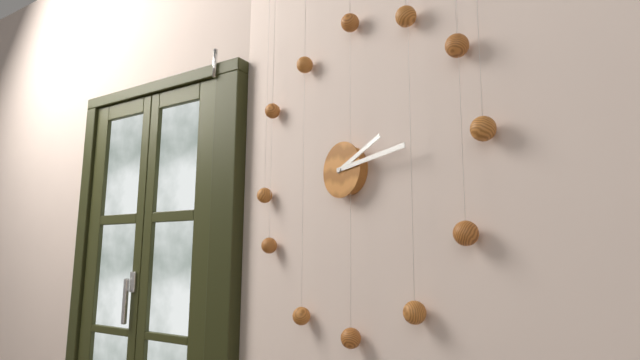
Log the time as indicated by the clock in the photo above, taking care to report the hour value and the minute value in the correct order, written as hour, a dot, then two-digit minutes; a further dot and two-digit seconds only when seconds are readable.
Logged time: 2.14
